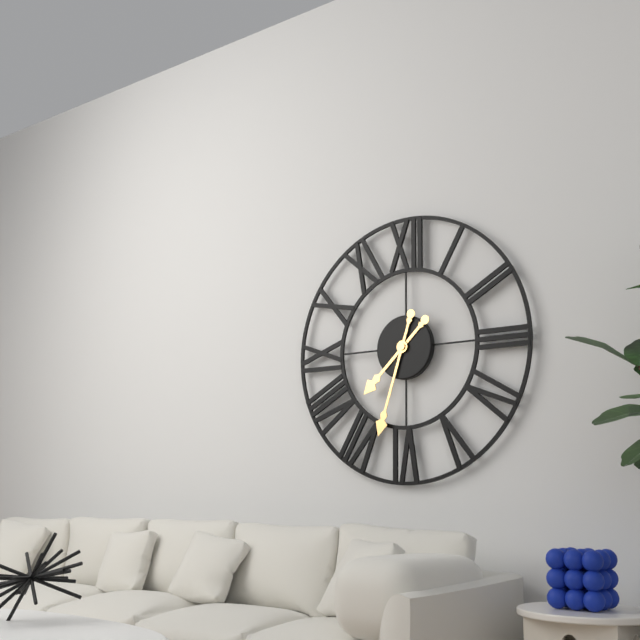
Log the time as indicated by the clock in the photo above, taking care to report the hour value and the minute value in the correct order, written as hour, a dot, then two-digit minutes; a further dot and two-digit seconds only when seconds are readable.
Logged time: 7.33
